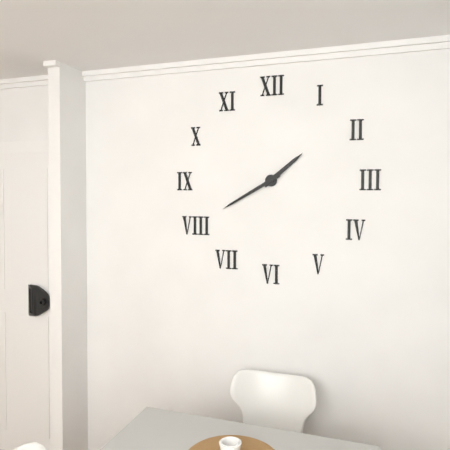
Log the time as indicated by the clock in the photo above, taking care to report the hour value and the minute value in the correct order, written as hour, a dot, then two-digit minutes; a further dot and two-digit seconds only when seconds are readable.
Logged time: 1.40
